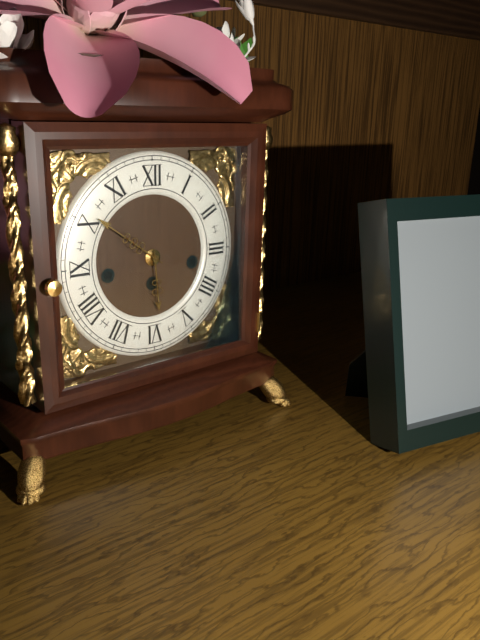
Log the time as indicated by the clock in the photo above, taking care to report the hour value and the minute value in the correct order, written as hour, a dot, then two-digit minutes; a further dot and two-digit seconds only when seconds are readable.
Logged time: 5.51
